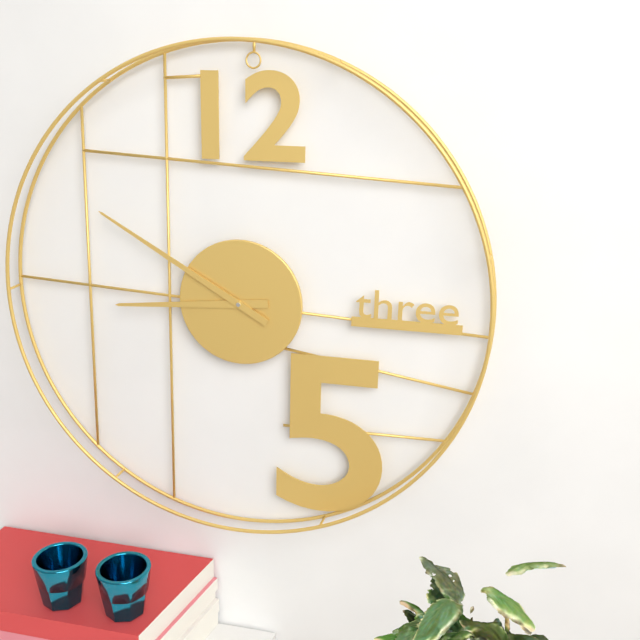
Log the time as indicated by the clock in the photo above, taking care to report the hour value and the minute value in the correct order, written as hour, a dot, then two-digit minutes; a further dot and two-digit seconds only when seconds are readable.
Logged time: 8.50
